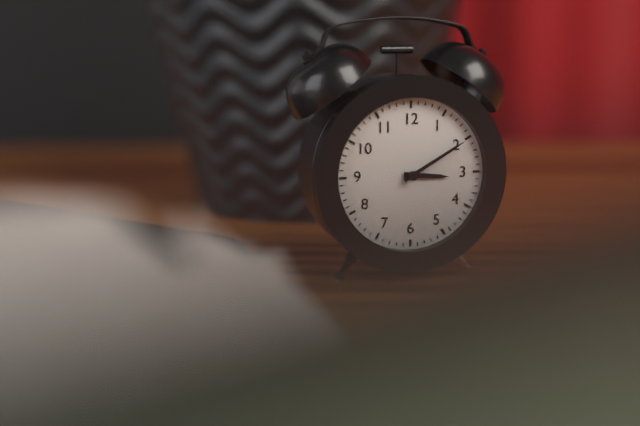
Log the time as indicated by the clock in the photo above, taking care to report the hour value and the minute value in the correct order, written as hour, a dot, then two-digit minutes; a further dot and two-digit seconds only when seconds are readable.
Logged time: 3.10
